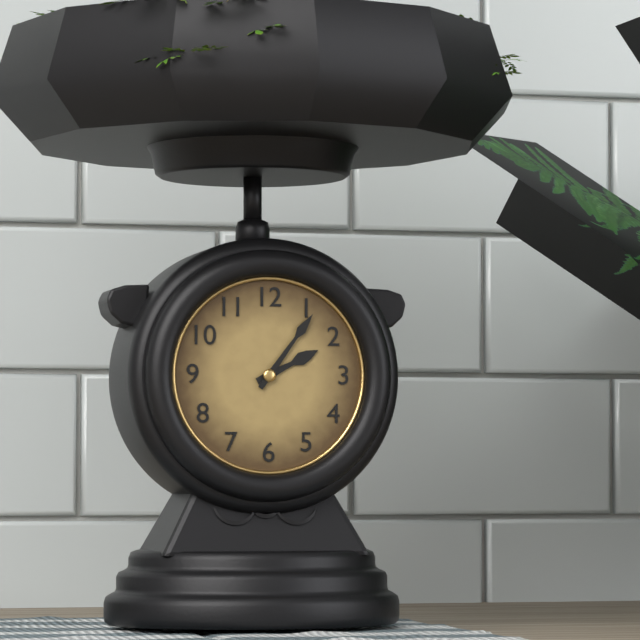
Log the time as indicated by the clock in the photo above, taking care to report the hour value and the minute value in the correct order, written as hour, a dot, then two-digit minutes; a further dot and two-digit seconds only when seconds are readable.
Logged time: 2.06
